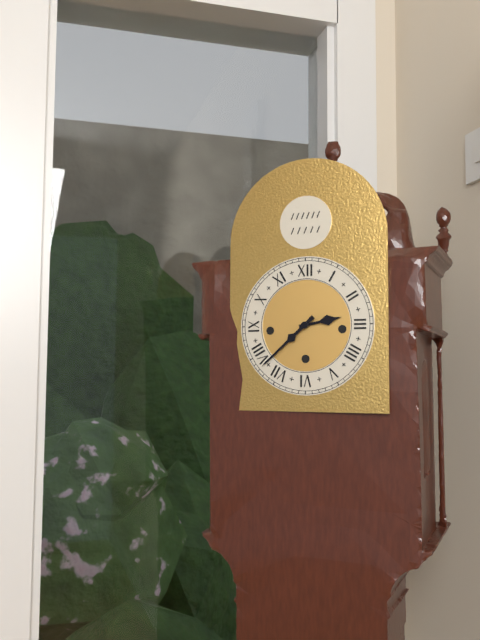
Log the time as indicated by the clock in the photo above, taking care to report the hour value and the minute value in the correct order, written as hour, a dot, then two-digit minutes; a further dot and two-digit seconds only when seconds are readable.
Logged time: 2.38
